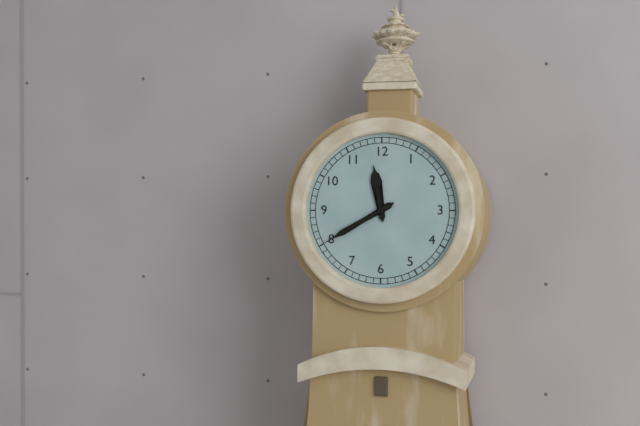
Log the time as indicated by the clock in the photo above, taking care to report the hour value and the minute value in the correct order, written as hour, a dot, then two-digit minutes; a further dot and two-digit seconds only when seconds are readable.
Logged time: 11.40
